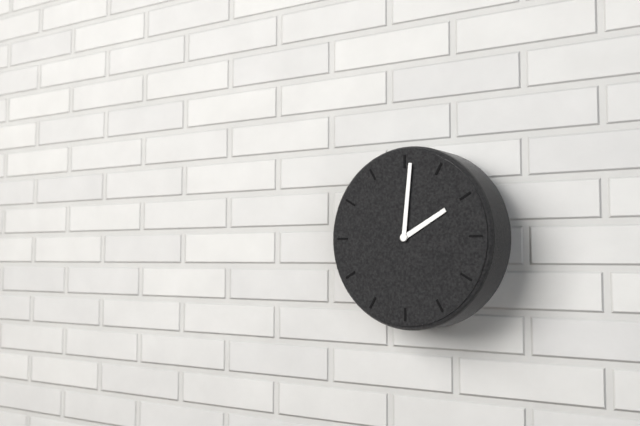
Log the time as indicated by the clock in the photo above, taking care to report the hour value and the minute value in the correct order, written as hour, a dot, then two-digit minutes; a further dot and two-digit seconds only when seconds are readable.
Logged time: 2.01
